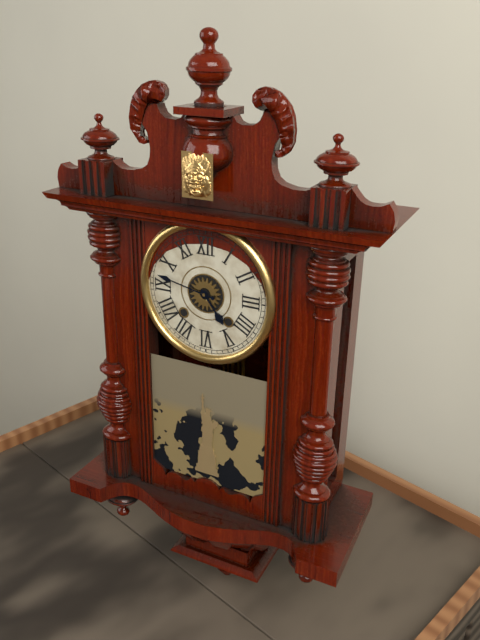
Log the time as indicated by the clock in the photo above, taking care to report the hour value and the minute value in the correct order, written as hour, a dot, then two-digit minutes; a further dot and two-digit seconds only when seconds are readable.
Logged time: 4.47
